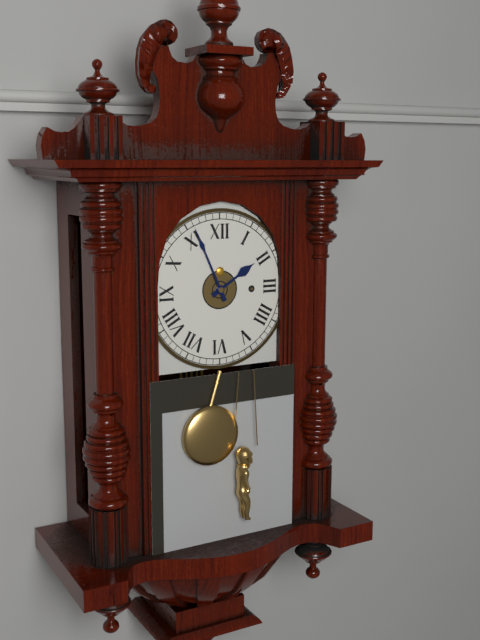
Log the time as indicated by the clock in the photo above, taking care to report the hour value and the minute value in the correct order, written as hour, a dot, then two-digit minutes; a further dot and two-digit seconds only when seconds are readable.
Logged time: 1.56
